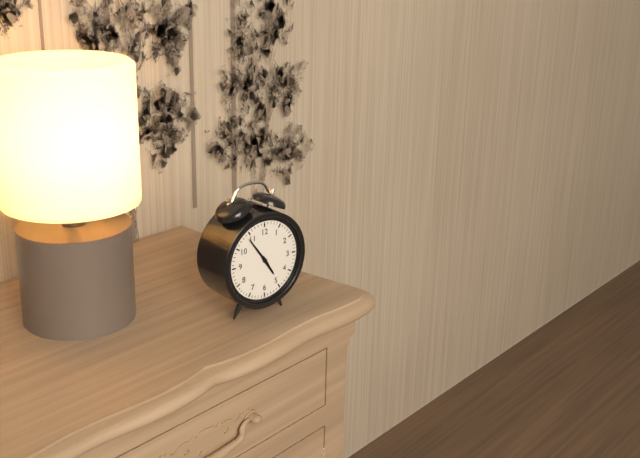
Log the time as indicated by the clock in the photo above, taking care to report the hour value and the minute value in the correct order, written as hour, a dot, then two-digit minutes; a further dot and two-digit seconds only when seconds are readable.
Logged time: 4.54
